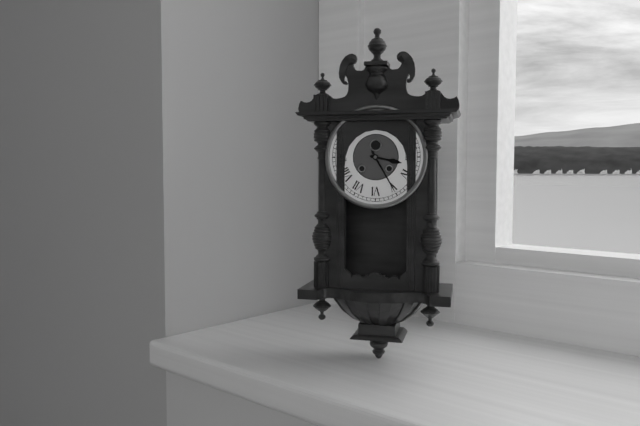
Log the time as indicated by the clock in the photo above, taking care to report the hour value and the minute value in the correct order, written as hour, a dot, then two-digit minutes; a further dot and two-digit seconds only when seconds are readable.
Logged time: 3.25
